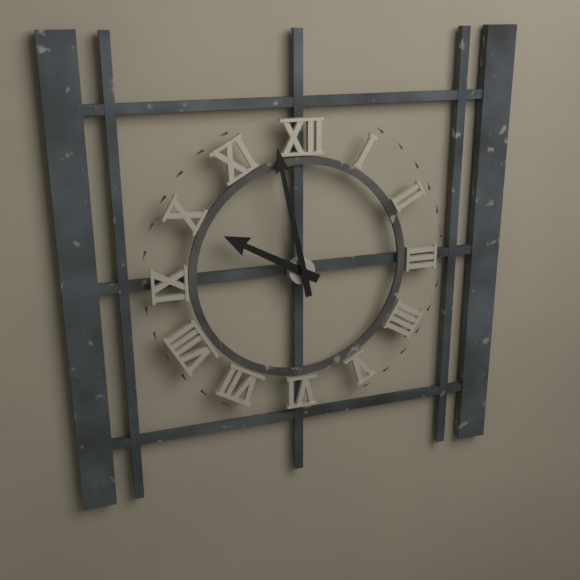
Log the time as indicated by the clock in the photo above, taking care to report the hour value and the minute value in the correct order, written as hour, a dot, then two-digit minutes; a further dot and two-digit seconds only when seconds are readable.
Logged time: 9.58
